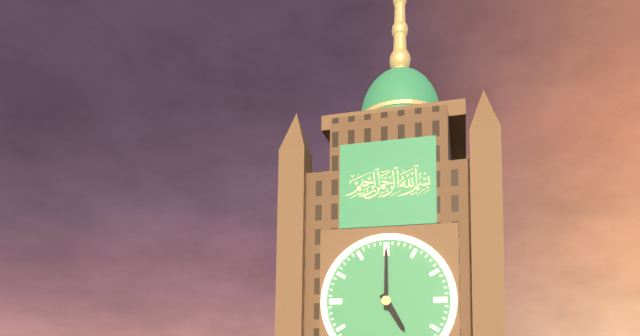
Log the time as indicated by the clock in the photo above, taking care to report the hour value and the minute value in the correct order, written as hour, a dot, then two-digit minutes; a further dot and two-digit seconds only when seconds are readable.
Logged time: 5.00
